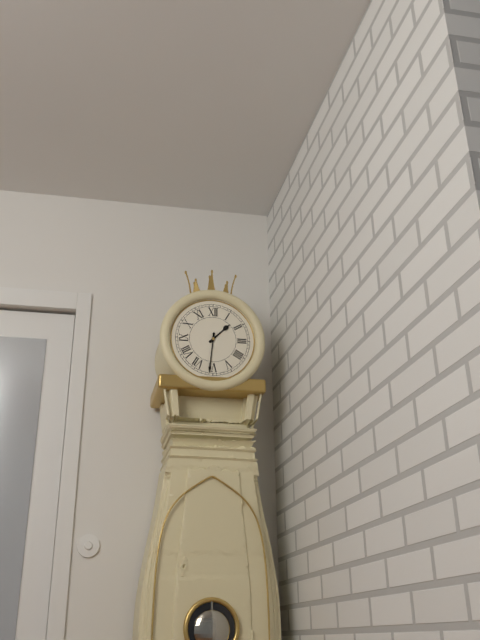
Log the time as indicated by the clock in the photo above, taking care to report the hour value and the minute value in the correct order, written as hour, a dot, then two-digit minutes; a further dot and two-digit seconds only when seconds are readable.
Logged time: 1.31
